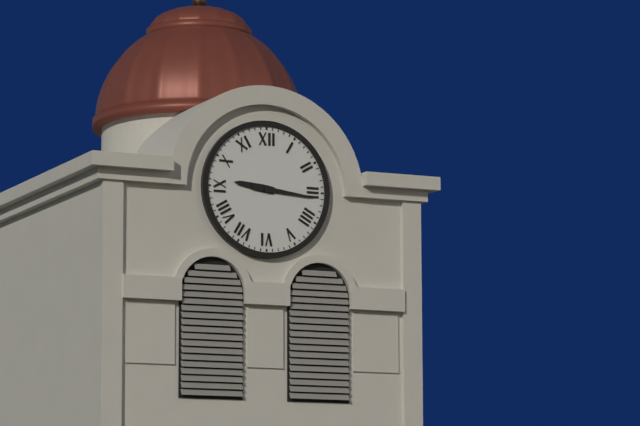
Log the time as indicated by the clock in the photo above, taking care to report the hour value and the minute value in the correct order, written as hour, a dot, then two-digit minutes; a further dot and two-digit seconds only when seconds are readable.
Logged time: 9.16
